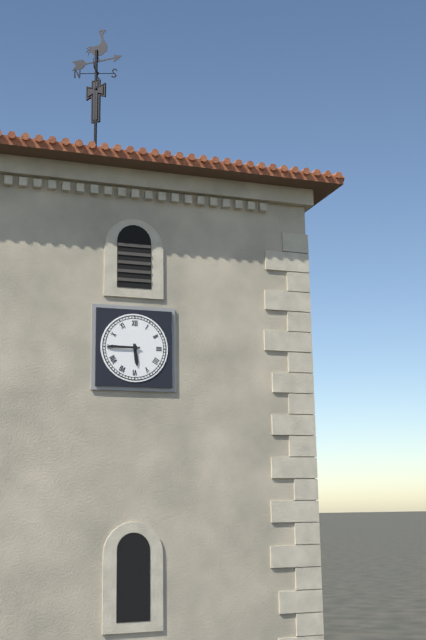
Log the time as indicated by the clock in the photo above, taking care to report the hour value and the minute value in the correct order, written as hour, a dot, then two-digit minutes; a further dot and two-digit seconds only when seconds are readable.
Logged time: 5.45
